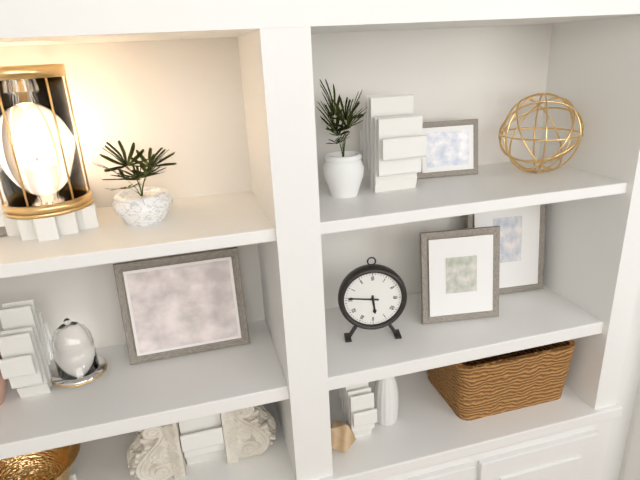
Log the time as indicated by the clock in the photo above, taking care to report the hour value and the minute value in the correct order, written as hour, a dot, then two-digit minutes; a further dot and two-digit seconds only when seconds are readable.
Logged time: 5.46
